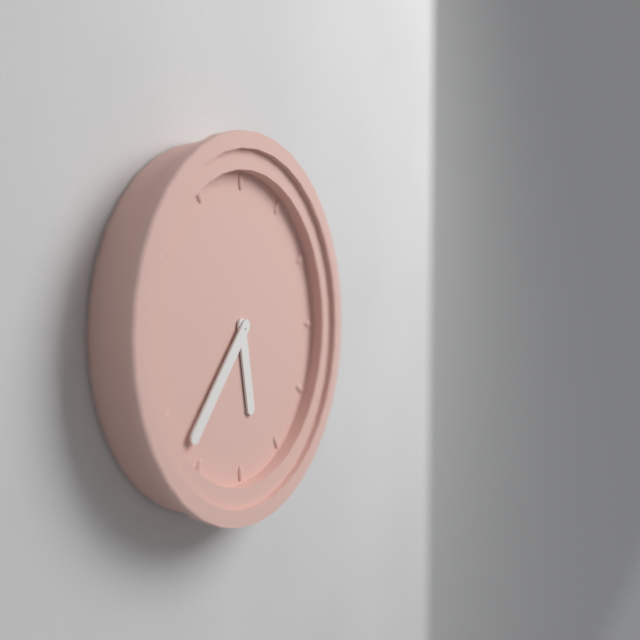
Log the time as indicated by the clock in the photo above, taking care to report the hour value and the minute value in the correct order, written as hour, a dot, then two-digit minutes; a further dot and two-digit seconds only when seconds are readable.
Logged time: 5.37
